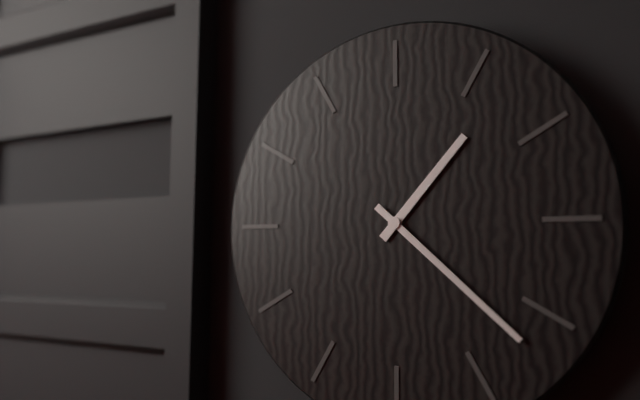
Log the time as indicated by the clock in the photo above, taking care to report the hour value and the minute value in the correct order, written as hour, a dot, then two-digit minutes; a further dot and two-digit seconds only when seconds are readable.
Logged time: 1.22
